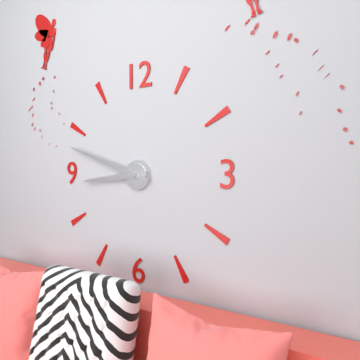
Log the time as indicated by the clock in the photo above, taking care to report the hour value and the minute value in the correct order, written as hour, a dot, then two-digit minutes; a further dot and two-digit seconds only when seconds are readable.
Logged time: 8.48
